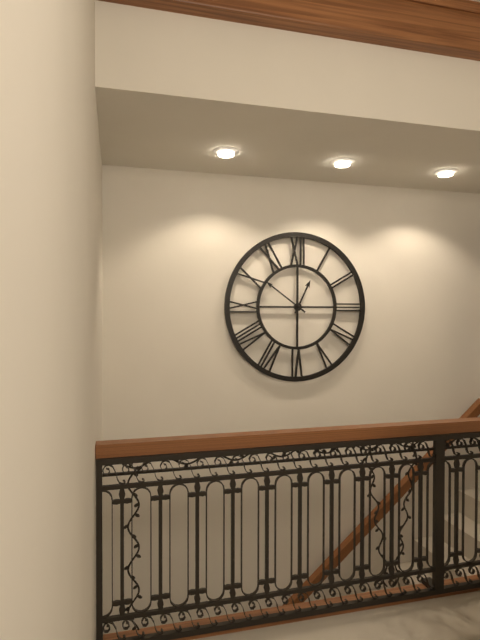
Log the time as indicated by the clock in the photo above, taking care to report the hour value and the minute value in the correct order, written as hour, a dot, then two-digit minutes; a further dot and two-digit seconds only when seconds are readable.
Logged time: 12.51
